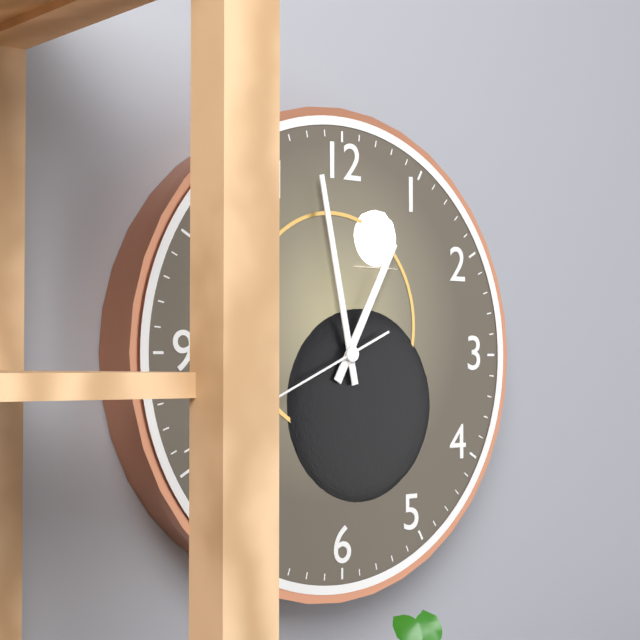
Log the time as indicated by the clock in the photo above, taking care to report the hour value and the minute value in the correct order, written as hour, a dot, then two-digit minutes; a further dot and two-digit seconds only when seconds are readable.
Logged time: 12.58
